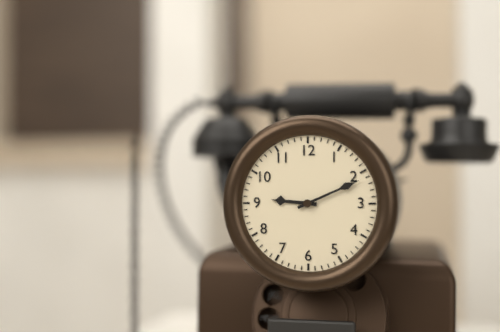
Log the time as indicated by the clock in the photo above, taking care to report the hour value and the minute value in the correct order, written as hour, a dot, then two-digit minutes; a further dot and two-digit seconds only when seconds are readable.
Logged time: 9.11
